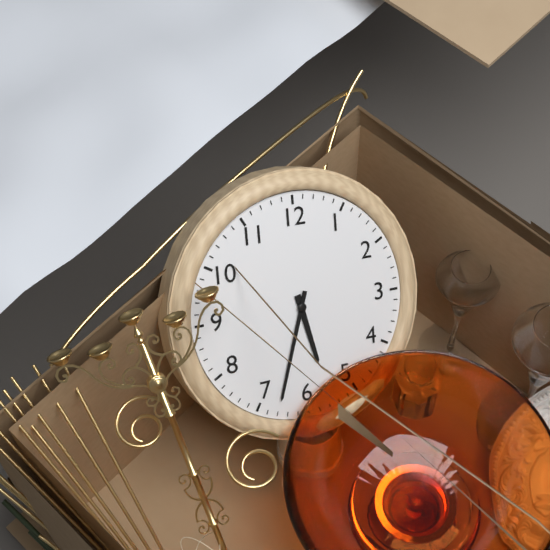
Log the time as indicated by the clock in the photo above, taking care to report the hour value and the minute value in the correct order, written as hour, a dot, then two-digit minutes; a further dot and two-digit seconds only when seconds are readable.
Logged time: 5.33
